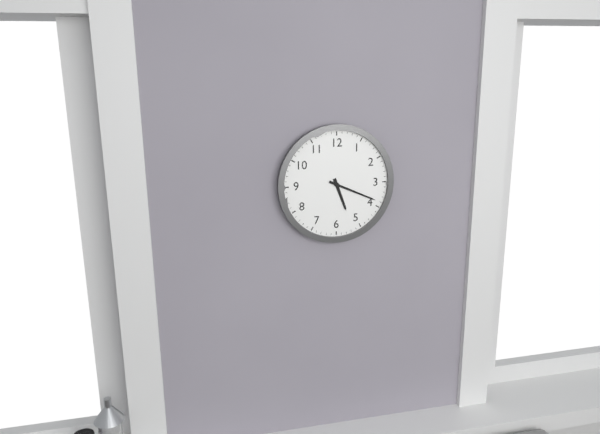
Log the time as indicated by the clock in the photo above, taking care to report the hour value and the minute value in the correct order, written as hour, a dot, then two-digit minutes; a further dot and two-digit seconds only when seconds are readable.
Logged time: 5.19
